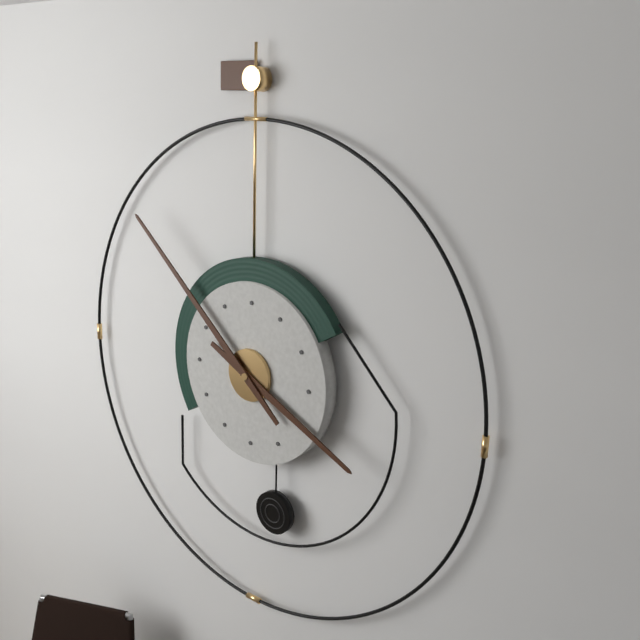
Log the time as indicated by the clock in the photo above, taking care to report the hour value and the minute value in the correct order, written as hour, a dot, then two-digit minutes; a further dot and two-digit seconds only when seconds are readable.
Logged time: 3.52
